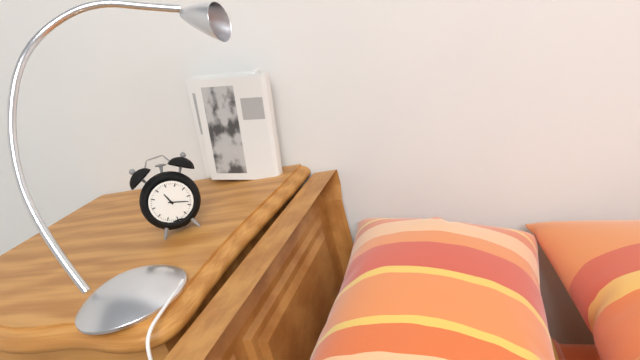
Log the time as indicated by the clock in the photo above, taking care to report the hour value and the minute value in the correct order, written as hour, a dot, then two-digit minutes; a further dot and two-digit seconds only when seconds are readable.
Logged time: 11.18
